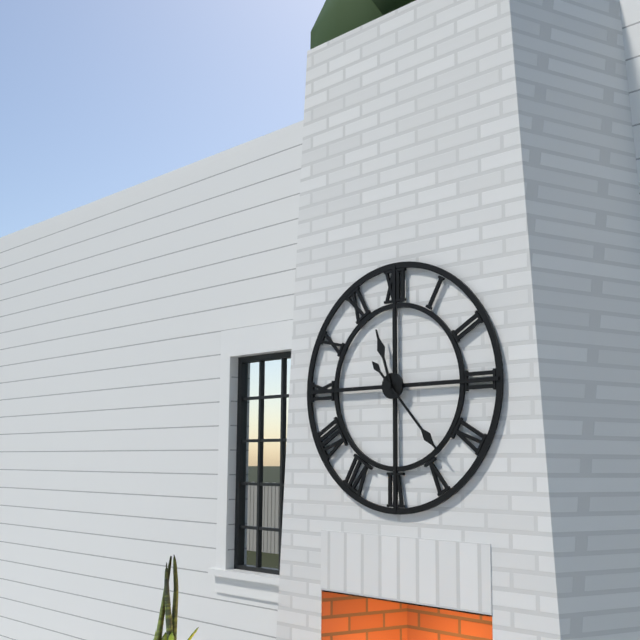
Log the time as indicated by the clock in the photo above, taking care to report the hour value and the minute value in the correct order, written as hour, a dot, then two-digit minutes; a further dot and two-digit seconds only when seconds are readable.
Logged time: 11.23
